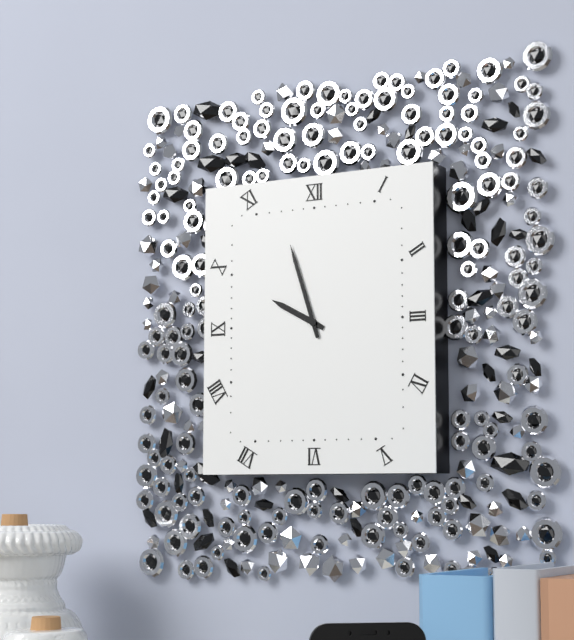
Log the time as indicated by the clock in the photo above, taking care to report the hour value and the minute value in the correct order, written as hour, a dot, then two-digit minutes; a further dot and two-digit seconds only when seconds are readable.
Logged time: 9.57
